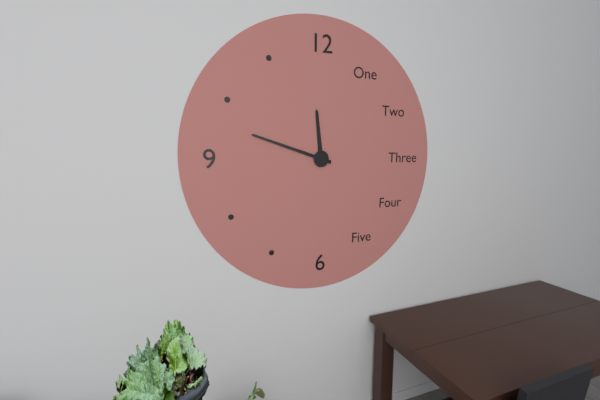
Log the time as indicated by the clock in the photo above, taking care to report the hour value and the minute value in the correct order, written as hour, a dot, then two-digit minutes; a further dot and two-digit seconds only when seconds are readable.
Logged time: 11.48
